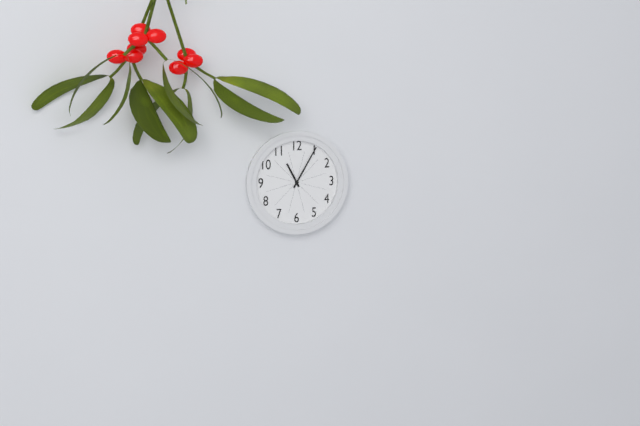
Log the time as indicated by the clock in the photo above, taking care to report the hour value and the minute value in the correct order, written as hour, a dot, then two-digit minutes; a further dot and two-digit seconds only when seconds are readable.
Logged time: 11.05
